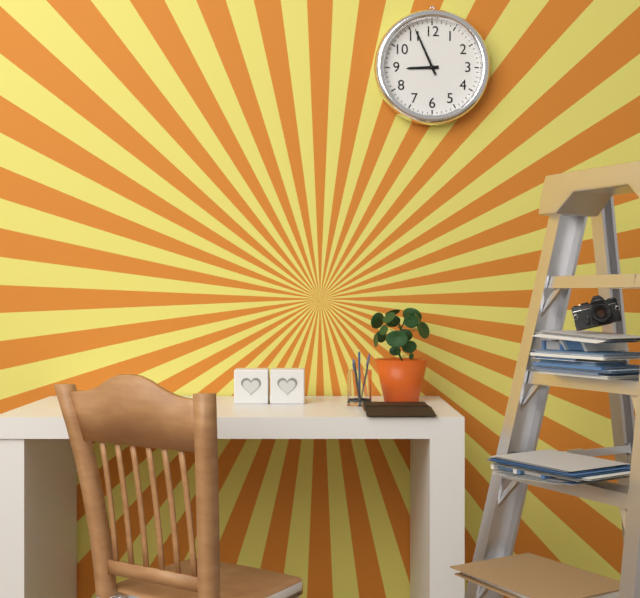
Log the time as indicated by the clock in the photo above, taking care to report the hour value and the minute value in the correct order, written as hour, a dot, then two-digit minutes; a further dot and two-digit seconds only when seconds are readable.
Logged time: 8.56
